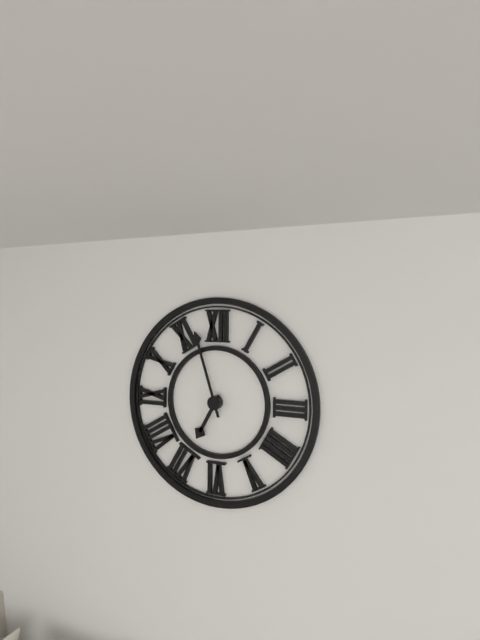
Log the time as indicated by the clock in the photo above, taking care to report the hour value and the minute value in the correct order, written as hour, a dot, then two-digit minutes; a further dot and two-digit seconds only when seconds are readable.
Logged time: 6.57
